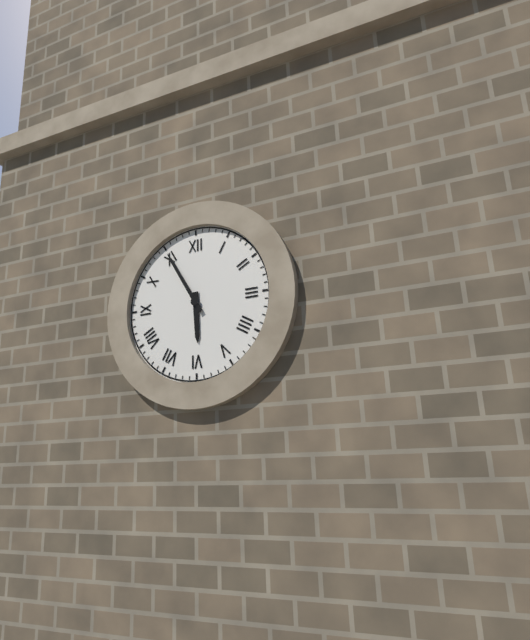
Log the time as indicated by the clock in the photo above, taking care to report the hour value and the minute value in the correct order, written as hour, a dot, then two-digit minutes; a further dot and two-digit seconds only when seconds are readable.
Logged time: 5.55
